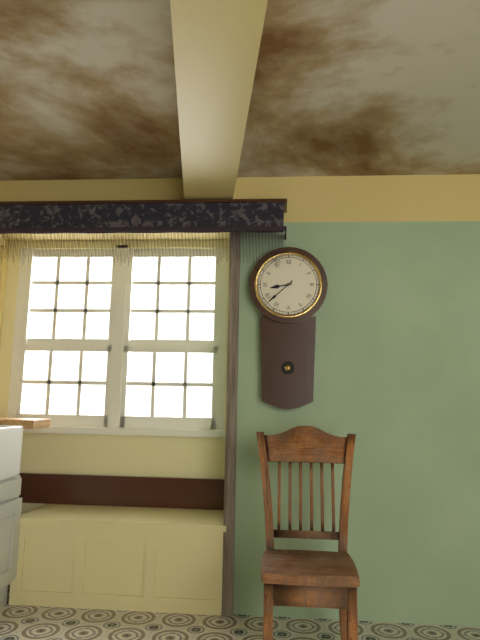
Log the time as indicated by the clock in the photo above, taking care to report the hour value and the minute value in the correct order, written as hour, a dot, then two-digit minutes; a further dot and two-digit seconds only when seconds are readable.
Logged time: 8.38
